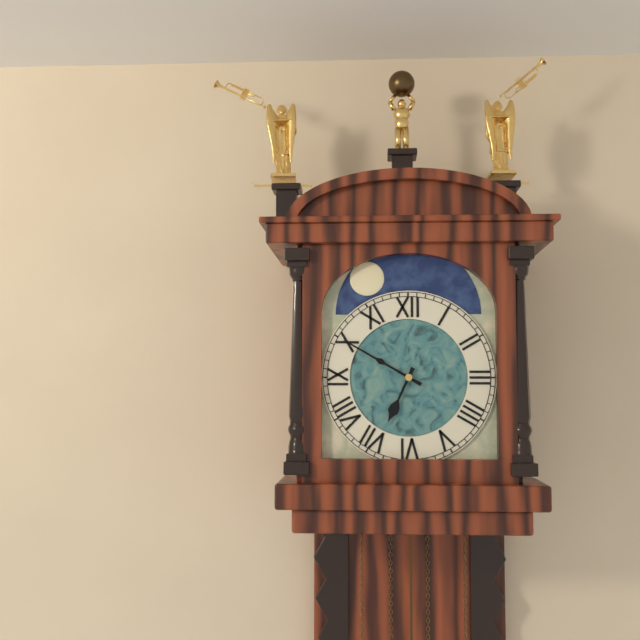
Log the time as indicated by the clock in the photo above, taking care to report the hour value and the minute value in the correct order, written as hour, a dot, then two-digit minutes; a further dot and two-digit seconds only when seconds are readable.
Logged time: 6.50
